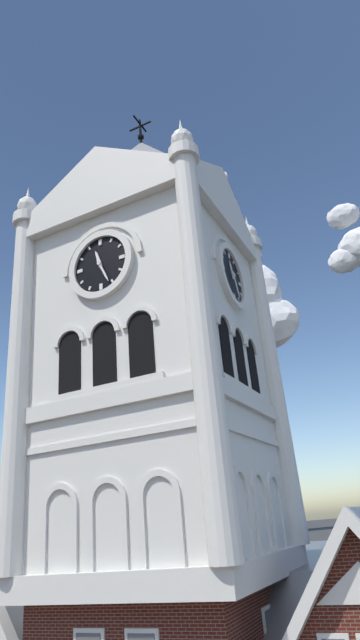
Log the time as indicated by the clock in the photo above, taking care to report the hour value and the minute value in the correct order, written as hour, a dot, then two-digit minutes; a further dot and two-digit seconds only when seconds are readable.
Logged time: 11.26
